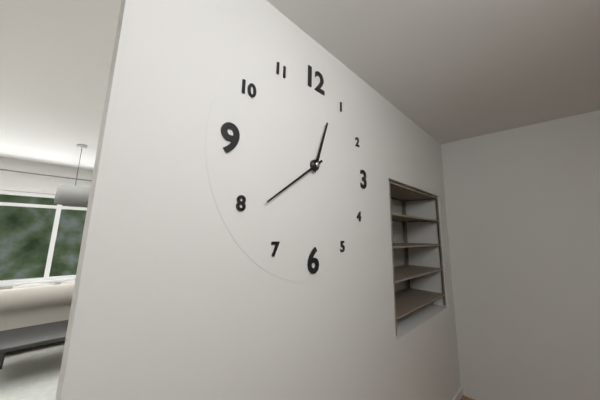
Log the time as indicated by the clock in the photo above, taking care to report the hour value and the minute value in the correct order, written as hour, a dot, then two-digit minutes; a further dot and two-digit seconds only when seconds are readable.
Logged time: 12.39
